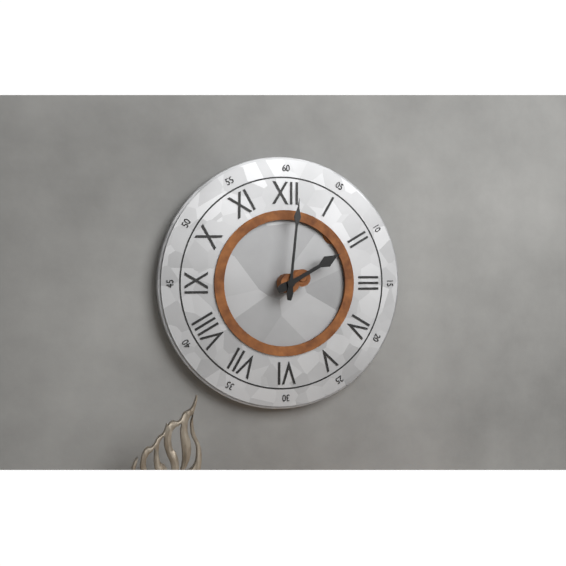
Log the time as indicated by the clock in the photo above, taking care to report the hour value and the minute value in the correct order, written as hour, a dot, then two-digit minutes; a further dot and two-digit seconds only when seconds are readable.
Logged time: 2.01
